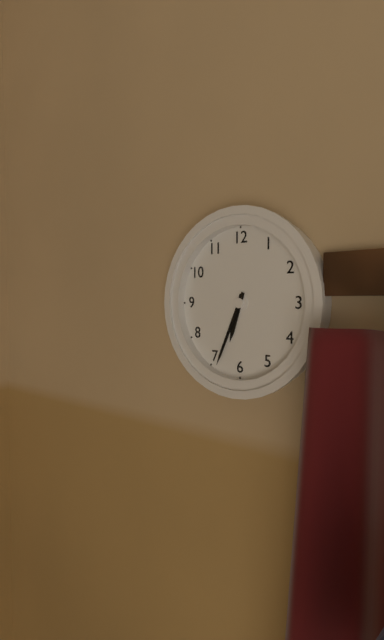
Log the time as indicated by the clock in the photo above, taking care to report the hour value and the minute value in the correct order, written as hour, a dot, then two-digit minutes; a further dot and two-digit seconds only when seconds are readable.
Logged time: 6.34
